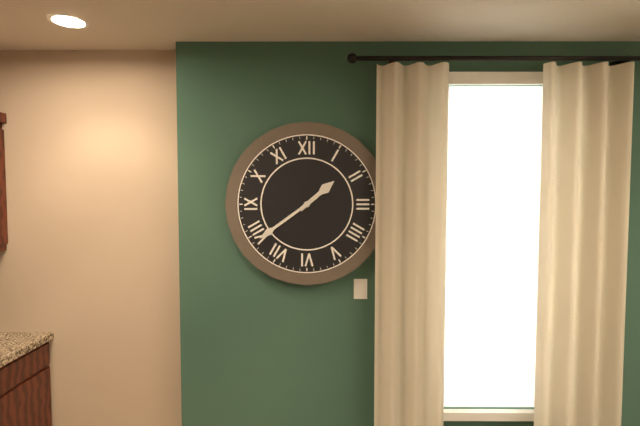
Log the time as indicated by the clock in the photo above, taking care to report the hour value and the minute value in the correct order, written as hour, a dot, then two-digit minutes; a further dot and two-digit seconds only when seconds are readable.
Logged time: 1.39
